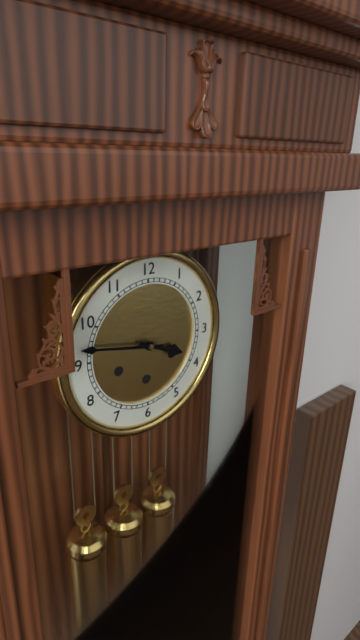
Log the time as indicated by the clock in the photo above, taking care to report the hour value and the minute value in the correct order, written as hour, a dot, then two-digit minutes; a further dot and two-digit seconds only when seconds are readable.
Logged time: 3.47
